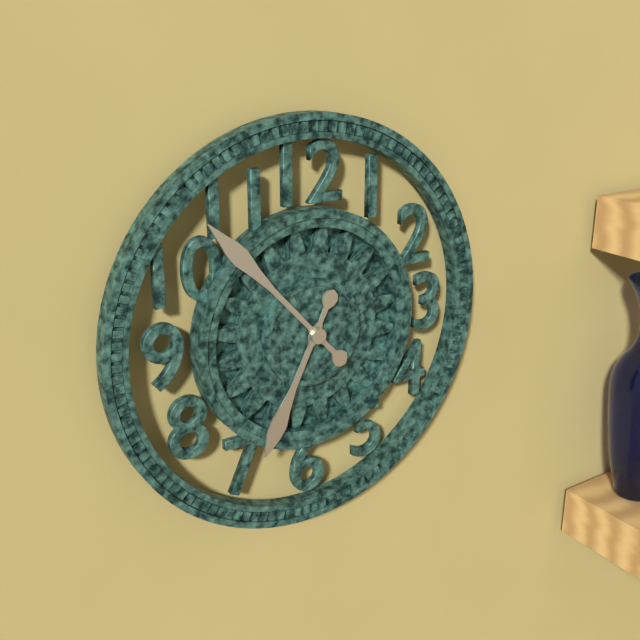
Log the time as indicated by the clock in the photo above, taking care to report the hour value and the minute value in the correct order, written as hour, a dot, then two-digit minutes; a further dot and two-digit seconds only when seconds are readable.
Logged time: 6.53
